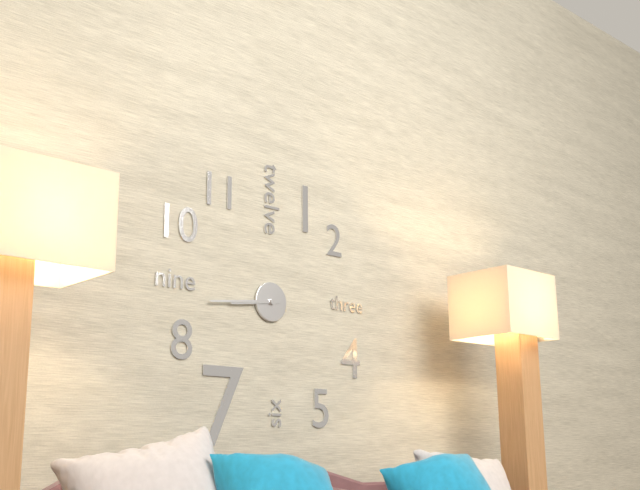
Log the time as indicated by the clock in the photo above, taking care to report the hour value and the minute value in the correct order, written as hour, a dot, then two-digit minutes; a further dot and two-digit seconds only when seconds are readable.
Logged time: 8.44
